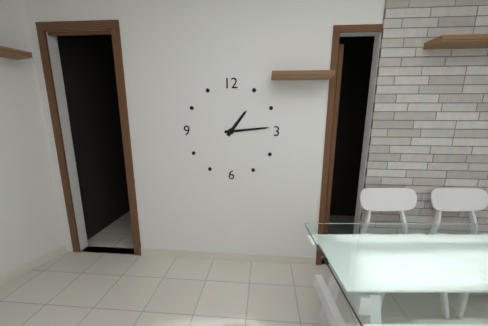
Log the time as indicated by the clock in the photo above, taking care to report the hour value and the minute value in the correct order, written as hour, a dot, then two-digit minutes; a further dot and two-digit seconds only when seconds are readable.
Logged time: 1.14
